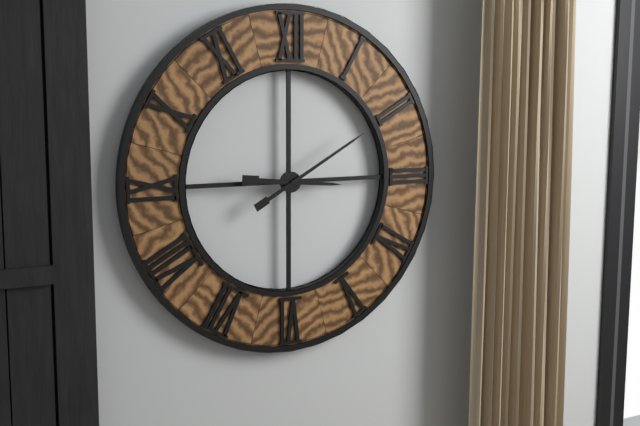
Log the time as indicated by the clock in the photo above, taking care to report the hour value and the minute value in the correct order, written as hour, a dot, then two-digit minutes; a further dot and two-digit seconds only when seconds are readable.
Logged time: 3.10
